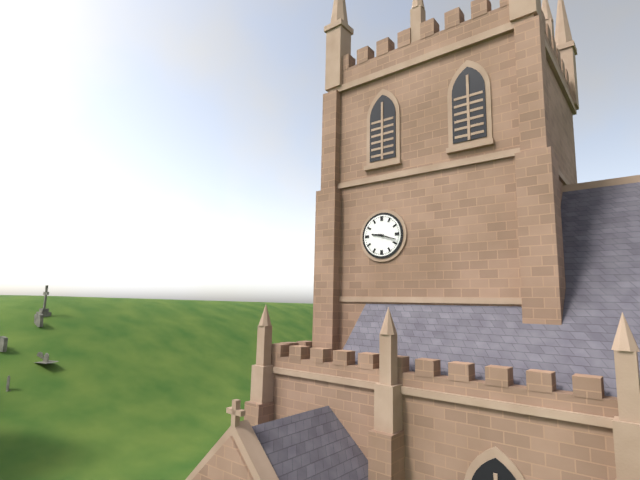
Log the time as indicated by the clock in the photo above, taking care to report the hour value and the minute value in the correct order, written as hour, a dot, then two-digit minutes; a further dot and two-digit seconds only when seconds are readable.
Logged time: 9.18
